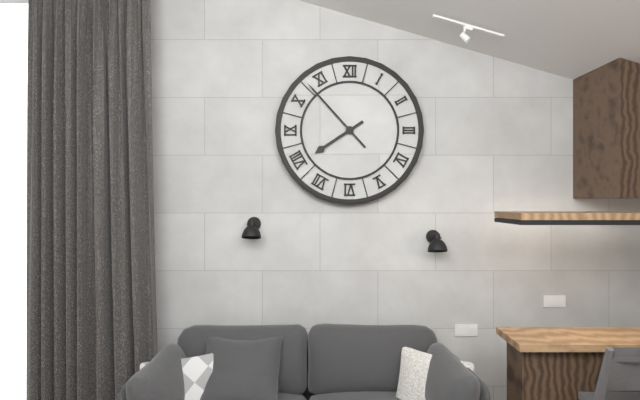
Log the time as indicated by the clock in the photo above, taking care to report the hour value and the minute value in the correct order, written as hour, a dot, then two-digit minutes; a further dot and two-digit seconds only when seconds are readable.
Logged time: 7.53
